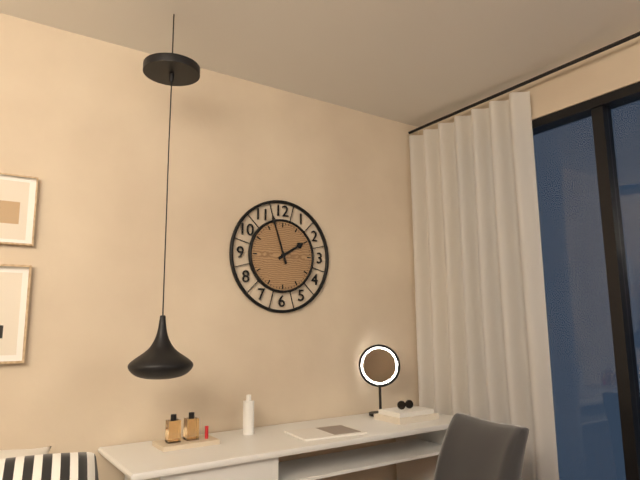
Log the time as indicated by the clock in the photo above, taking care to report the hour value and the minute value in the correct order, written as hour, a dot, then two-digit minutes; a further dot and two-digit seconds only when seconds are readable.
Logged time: 1.57
